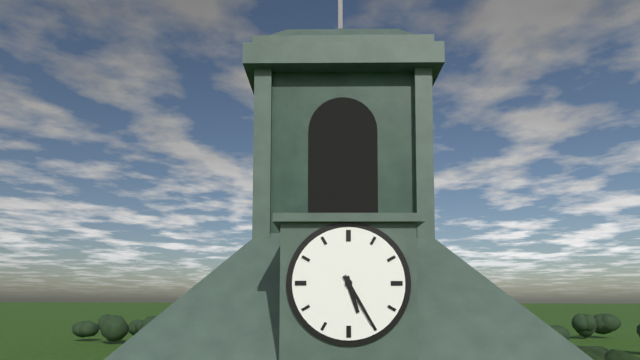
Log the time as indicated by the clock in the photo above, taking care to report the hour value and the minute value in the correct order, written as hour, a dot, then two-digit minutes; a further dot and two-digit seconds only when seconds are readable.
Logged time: 5.25
